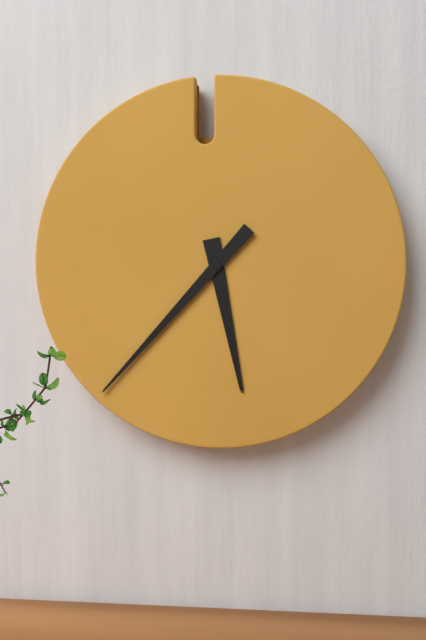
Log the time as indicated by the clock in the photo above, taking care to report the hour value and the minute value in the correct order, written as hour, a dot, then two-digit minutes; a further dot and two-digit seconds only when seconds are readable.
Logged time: 5.37
